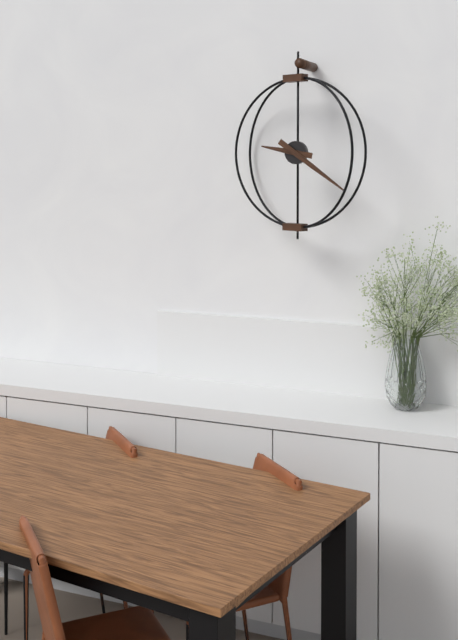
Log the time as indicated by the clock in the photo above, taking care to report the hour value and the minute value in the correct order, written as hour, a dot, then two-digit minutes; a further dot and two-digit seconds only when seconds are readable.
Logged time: 9.21
